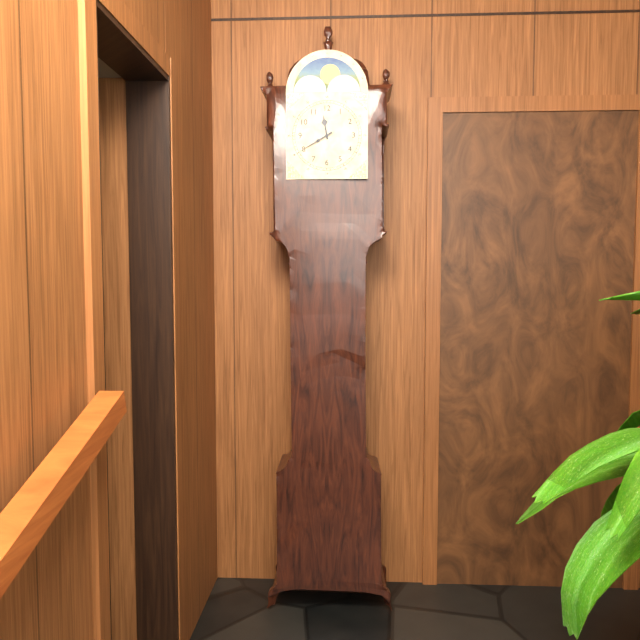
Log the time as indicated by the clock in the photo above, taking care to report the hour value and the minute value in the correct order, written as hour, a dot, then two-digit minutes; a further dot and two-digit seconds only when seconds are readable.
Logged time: 11.40
